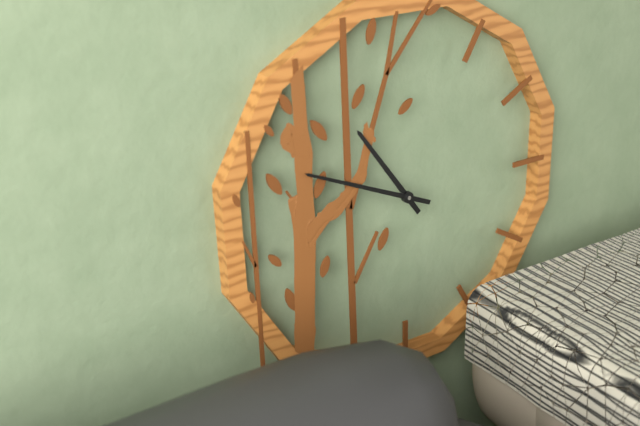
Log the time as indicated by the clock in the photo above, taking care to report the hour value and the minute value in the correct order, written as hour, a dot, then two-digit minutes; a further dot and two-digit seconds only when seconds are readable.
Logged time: 10.49
